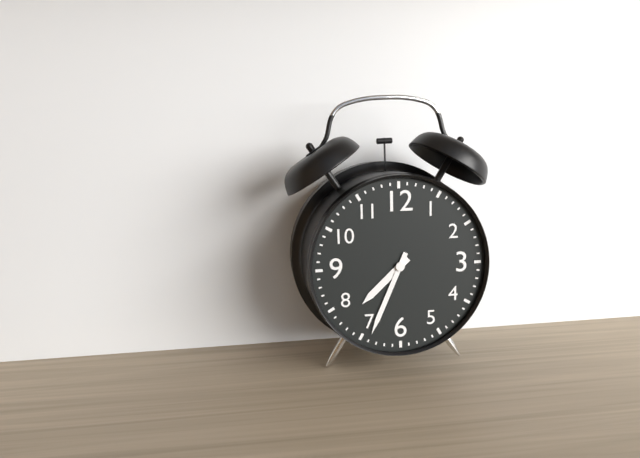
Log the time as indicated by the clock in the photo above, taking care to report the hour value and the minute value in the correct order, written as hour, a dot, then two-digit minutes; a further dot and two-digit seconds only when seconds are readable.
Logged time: 7.34
